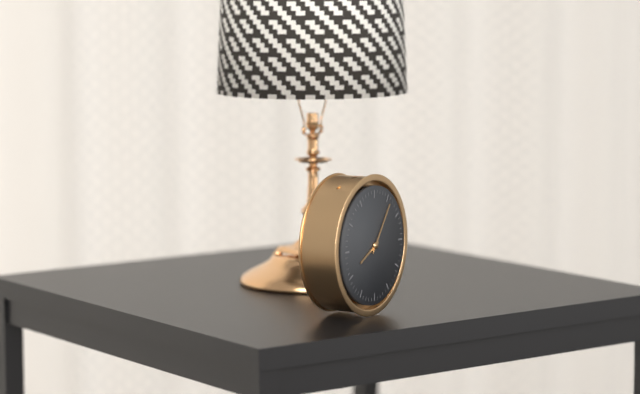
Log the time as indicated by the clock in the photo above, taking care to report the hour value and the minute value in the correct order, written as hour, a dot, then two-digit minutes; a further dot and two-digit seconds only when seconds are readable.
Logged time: 8.06
